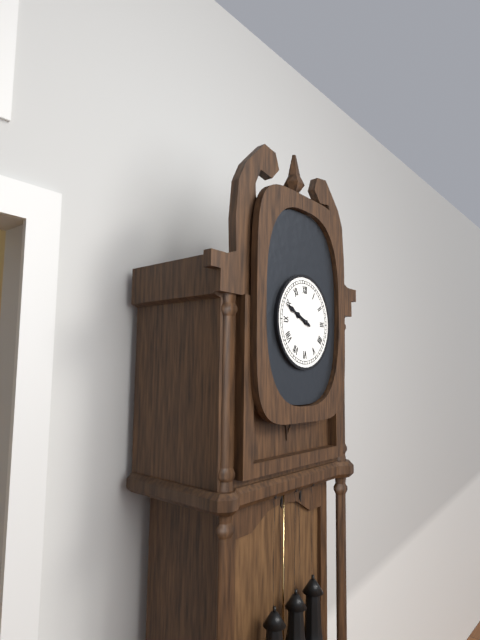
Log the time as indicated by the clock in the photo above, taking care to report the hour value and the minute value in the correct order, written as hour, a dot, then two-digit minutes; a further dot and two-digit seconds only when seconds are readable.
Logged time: 9.49
